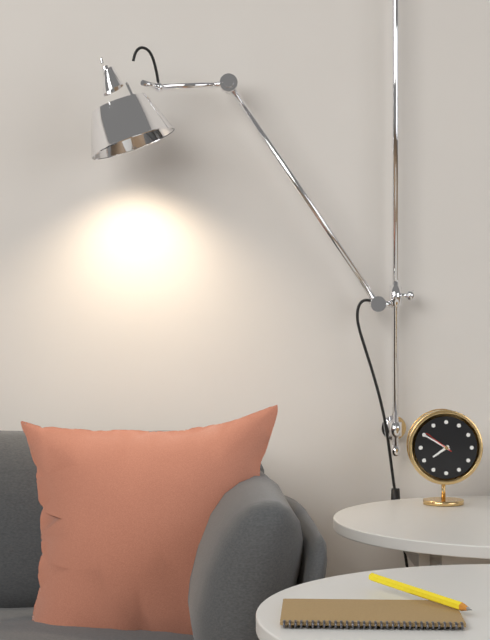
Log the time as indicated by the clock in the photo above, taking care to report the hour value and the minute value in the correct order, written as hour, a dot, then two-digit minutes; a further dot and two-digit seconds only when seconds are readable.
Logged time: 7.50
